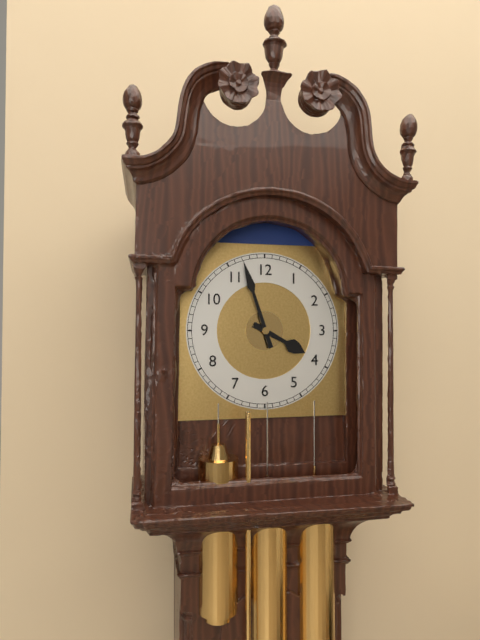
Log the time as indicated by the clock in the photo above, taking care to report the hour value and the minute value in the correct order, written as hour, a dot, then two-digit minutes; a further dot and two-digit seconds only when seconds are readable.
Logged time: 3.57
